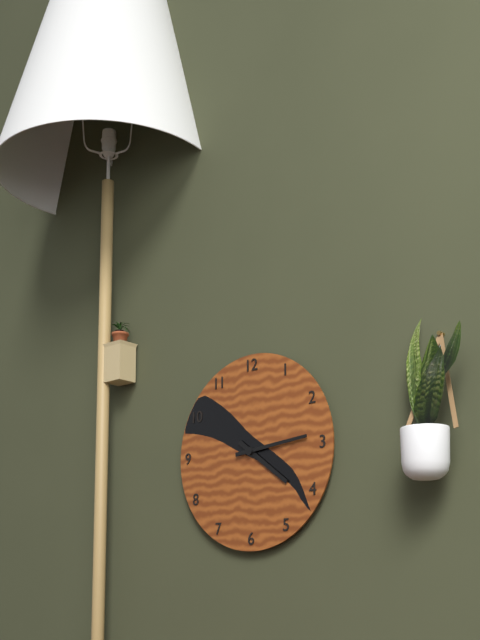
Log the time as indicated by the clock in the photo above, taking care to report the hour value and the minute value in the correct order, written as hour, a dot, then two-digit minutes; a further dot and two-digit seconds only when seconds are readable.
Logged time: 4.14
